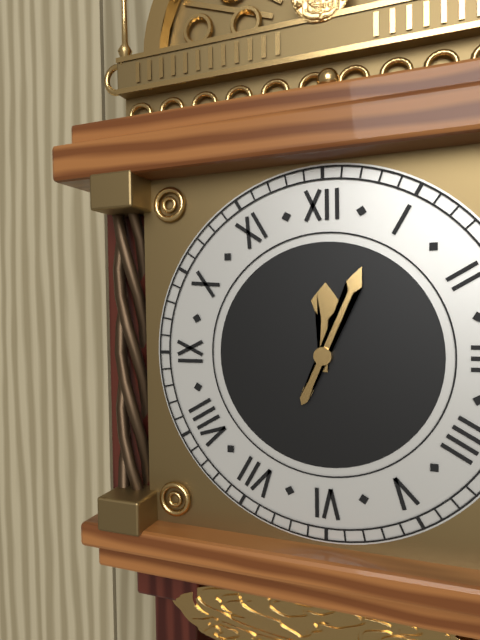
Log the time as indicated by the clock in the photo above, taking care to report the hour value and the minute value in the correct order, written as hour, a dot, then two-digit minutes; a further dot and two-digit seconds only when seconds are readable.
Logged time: 12.04
